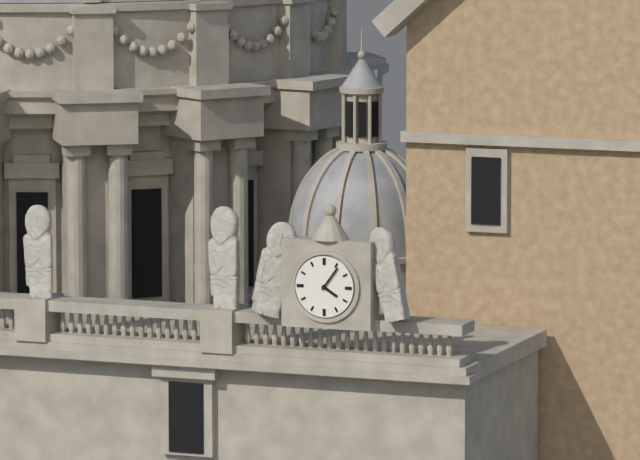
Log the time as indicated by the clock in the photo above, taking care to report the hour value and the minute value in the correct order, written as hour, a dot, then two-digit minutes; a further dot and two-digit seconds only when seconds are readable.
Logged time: 4.06
